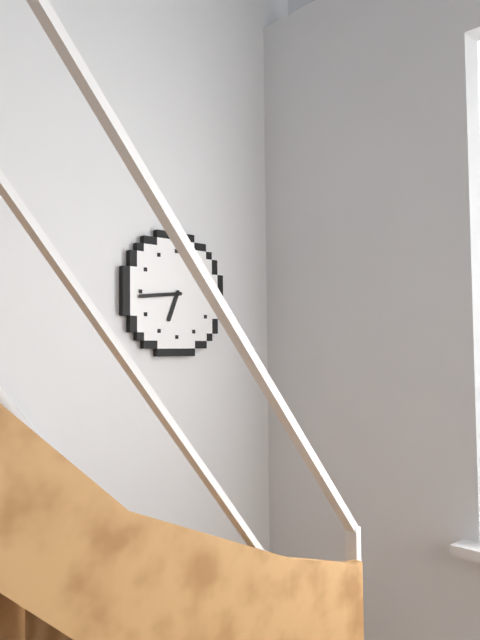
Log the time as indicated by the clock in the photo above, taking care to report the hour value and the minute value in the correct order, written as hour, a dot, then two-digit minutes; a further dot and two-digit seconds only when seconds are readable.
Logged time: 6.44
